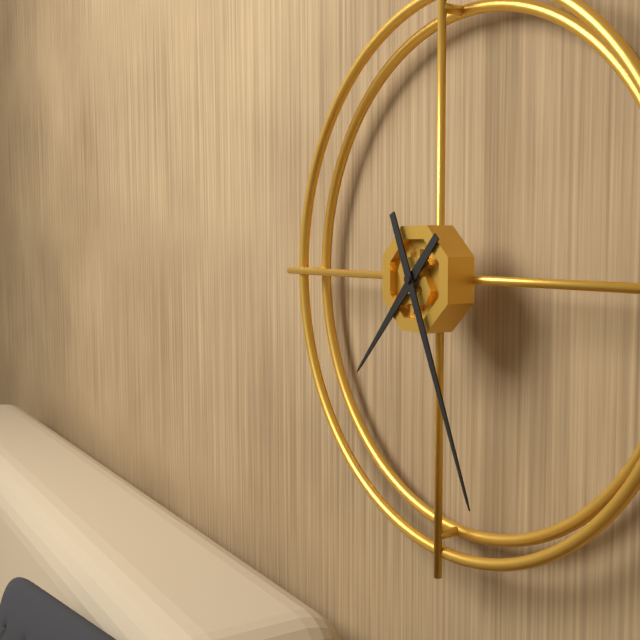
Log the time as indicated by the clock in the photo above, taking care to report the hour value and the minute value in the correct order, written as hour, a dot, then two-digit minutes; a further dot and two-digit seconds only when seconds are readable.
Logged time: 7.26
